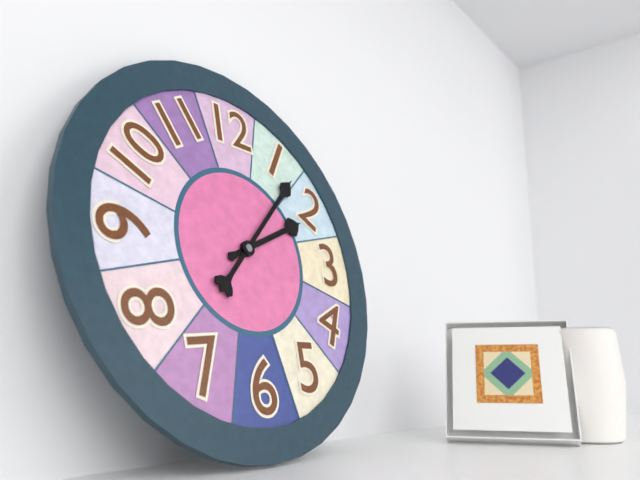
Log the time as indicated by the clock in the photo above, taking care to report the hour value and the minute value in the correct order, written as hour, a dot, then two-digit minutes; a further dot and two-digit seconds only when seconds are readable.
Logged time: 2.07
